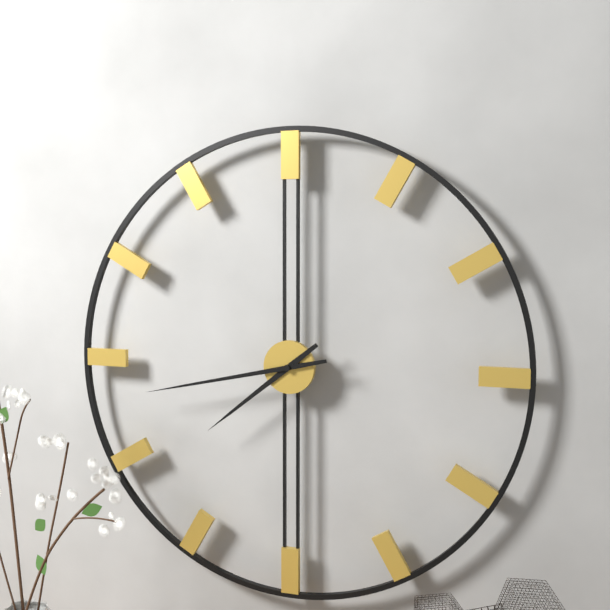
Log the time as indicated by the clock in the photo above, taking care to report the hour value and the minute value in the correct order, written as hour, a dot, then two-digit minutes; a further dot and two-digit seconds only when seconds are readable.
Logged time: 7.43
